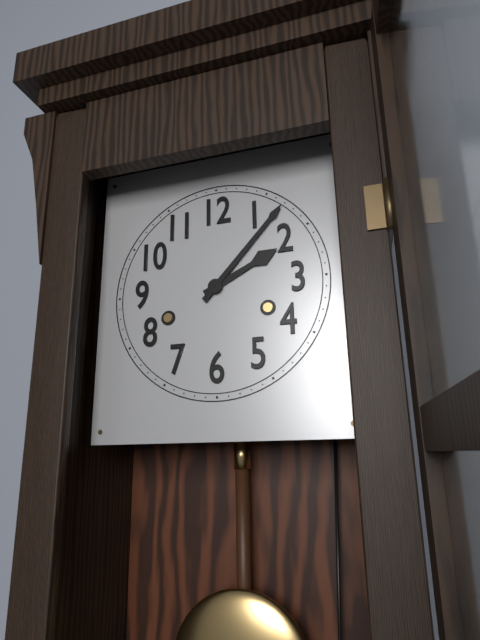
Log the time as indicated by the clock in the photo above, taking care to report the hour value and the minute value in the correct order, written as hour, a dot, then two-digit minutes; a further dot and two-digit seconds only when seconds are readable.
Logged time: 2.07
